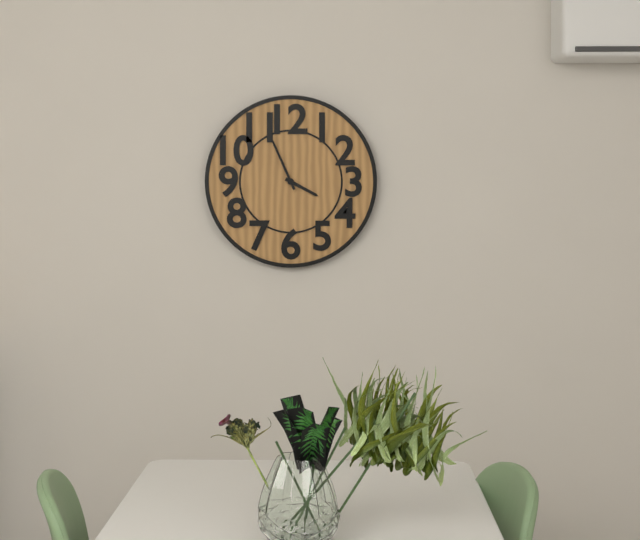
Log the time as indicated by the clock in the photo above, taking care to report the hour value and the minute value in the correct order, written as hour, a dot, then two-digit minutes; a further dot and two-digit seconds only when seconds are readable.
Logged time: 3.56
